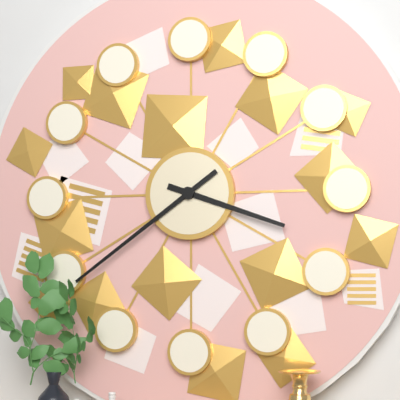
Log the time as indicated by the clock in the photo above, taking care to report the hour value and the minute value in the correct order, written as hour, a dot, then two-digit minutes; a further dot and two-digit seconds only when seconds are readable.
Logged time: 3.39
